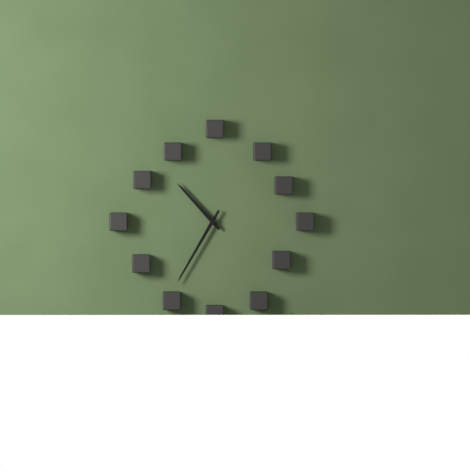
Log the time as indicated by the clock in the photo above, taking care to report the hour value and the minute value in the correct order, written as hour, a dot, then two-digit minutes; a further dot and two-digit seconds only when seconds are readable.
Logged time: 10.35
